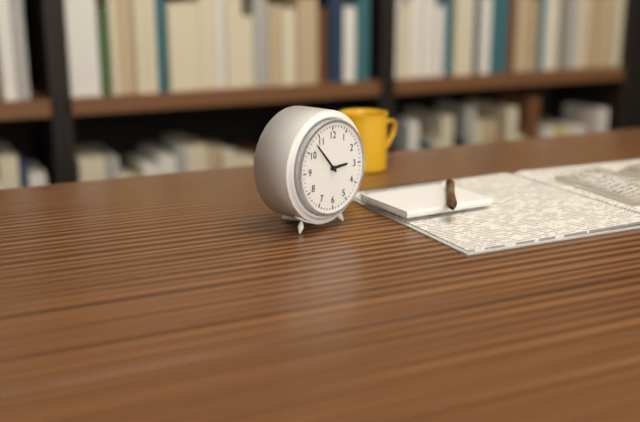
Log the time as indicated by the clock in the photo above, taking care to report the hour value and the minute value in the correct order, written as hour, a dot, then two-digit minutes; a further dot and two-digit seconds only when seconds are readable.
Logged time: 2.53
